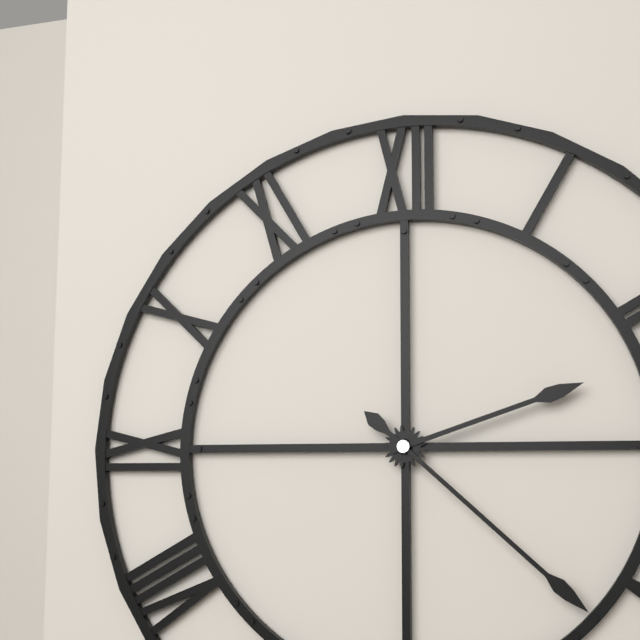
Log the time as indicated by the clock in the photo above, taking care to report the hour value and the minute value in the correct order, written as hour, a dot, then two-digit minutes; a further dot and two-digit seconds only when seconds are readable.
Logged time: 2.22
